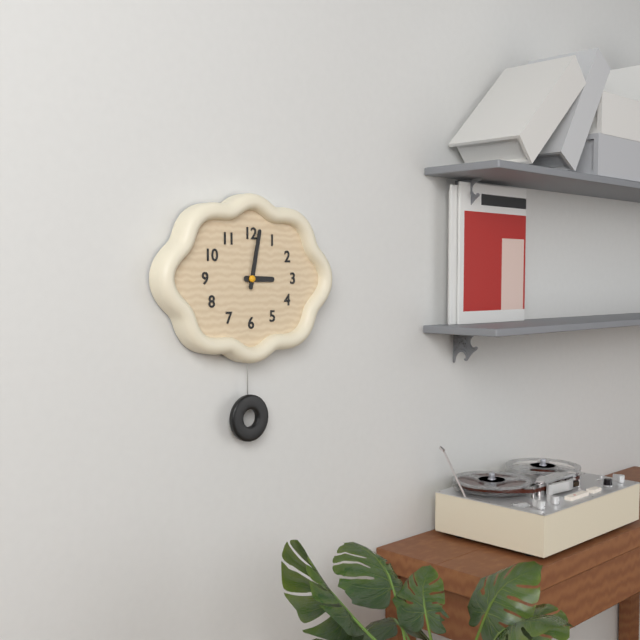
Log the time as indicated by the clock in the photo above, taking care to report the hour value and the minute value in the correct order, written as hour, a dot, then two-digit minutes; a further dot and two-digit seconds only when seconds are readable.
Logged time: 3.02
